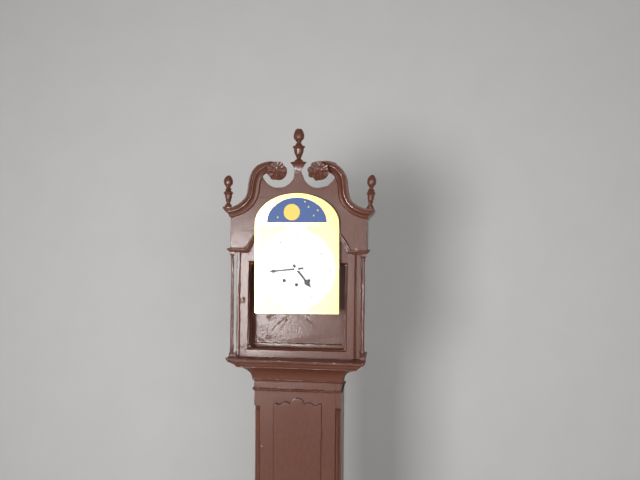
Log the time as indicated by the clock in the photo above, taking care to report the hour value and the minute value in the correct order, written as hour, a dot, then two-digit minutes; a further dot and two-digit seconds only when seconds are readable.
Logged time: 4.44
